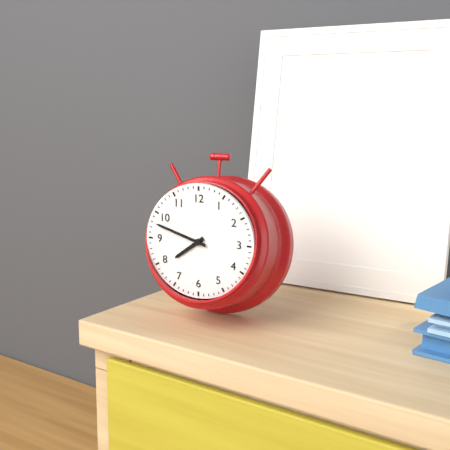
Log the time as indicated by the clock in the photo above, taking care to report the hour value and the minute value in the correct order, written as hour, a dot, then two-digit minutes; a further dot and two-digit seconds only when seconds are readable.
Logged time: 7.48
